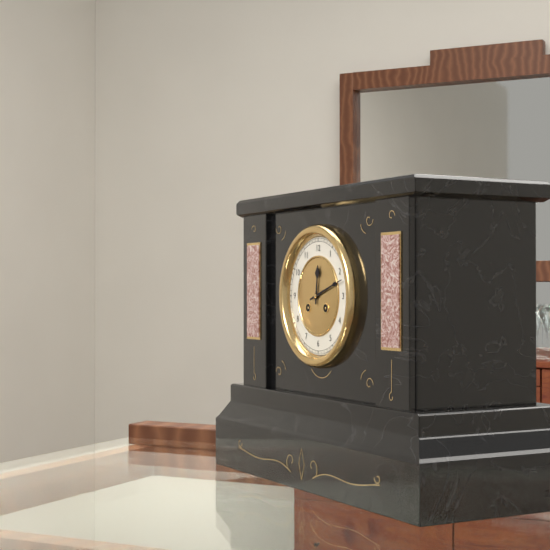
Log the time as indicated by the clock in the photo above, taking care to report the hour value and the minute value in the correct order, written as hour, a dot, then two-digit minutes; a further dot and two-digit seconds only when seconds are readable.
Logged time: 12.12
